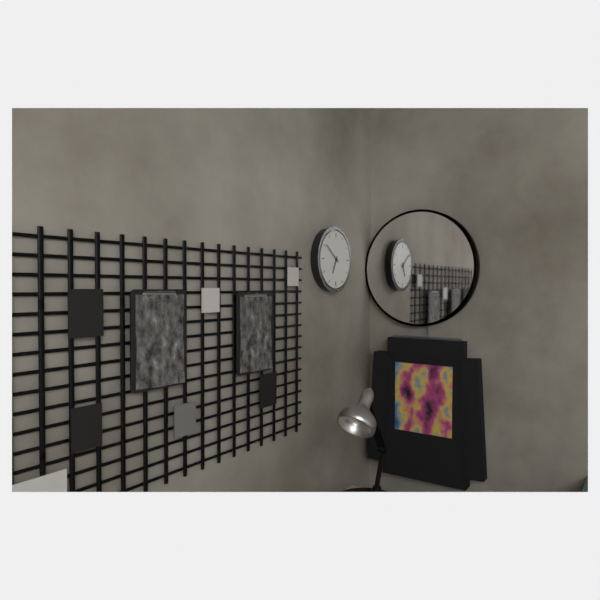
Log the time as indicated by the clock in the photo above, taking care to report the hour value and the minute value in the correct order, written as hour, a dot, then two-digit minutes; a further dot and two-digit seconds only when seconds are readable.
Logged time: 6.51
